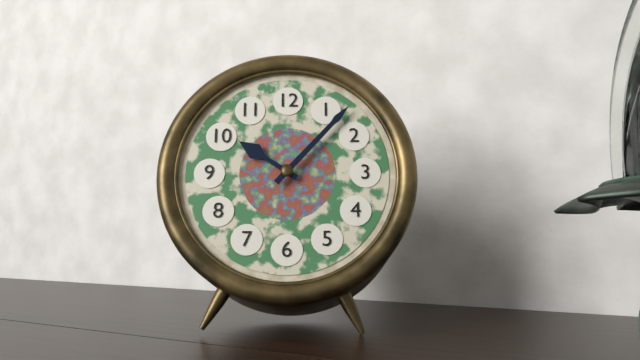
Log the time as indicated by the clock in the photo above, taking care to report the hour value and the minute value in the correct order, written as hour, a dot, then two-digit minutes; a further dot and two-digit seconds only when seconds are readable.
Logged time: 10.07
